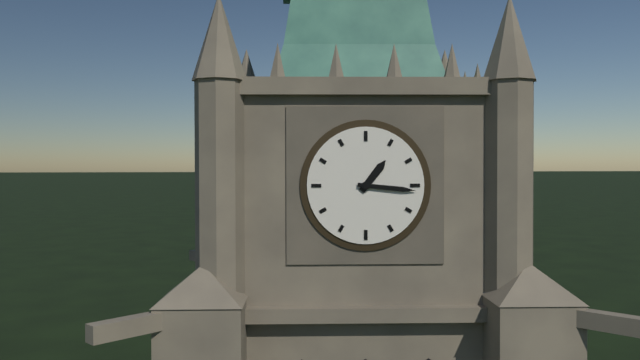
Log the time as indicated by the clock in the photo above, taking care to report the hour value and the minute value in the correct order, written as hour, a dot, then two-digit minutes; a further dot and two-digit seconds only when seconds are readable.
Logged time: 1.16
